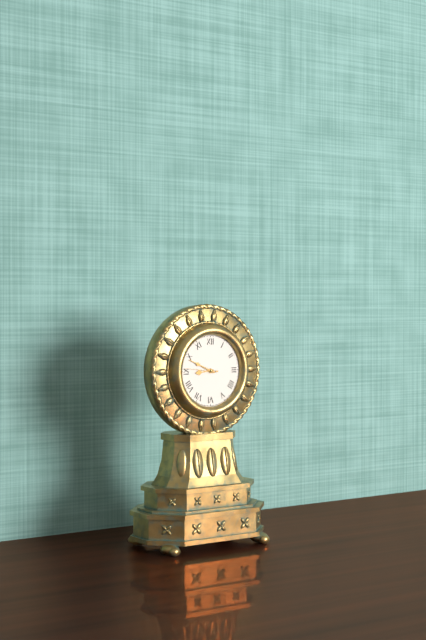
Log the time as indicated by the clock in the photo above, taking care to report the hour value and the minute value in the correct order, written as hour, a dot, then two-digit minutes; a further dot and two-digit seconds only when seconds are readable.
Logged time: 8.49
